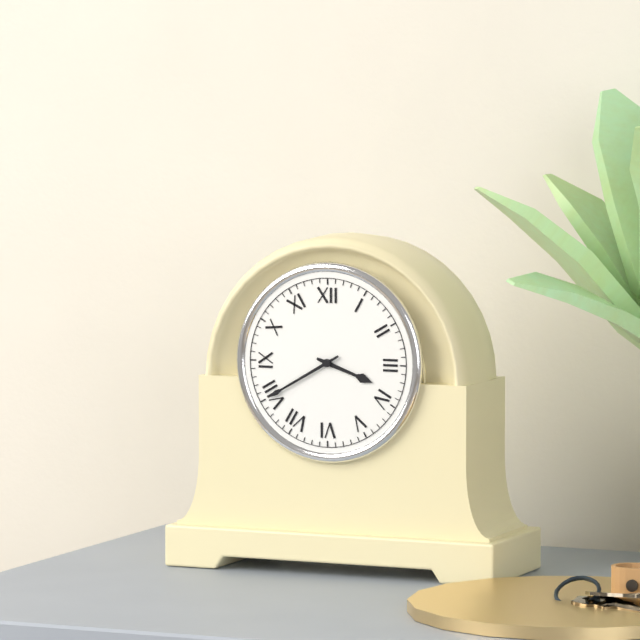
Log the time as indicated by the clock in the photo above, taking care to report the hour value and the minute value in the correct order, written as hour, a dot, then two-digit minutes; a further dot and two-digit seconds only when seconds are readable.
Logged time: 3.40
